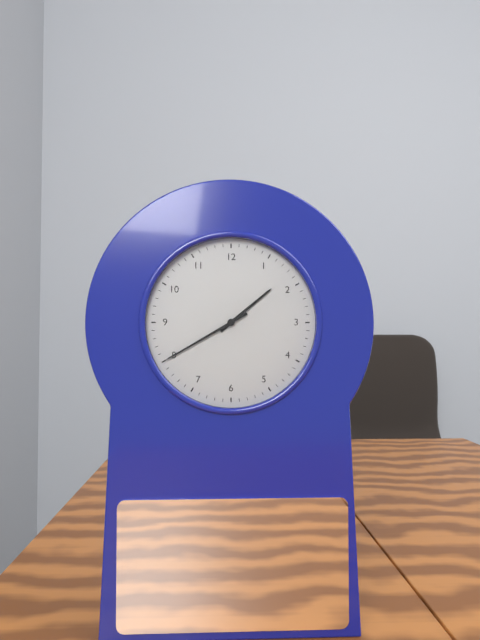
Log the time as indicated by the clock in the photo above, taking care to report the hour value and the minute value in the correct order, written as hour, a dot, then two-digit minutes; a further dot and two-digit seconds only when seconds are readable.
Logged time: 1.40
